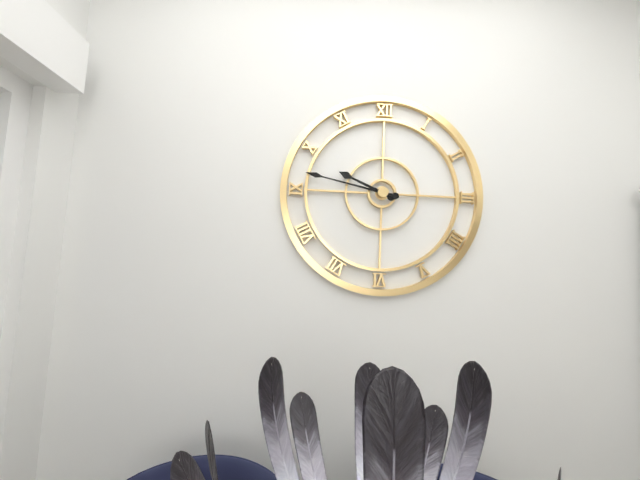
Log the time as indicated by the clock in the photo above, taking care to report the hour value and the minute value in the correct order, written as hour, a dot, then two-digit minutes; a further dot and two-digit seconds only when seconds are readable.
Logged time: 9.47
